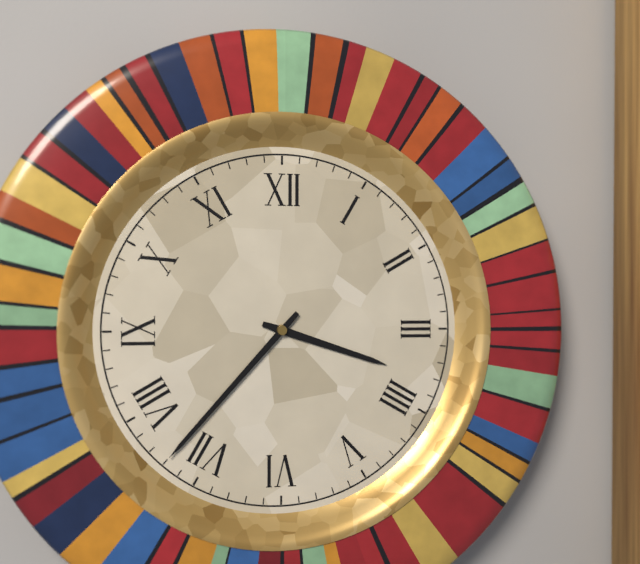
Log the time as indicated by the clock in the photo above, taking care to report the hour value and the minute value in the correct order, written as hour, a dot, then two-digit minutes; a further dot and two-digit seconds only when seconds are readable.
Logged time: 3.37
